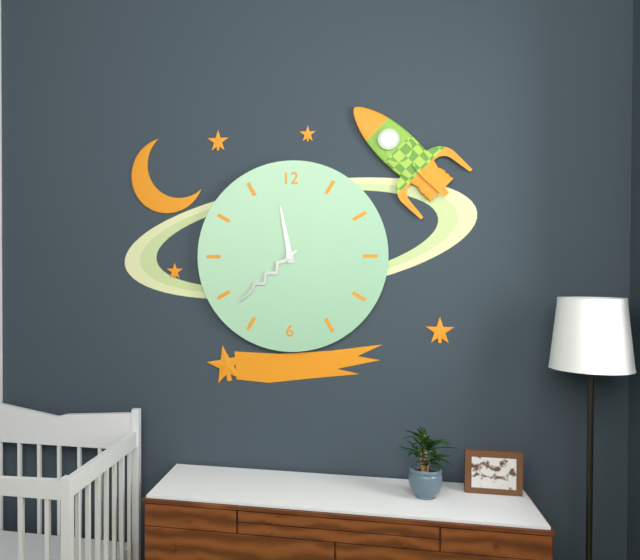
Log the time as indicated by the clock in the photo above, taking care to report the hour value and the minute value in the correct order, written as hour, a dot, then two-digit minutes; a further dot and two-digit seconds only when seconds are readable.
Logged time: 11.38
